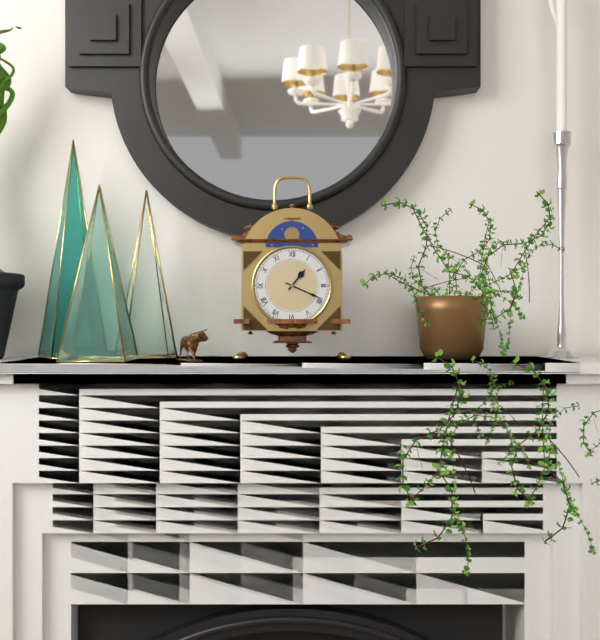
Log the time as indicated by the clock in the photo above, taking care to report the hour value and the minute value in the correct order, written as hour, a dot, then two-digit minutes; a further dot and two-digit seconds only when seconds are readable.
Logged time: 1.19
